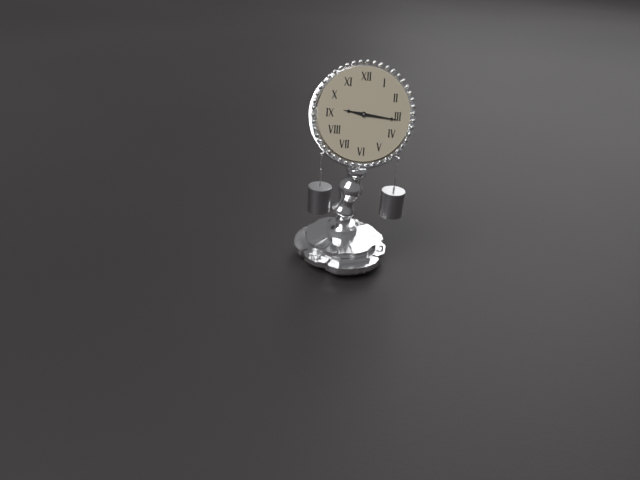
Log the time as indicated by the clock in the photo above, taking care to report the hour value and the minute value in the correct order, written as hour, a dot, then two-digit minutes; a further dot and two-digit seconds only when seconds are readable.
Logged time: 9.16
